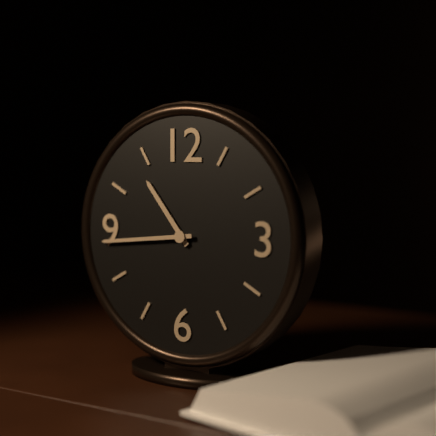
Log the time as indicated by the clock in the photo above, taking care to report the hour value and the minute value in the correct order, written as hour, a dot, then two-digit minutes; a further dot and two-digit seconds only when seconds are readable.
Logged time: 10.44
